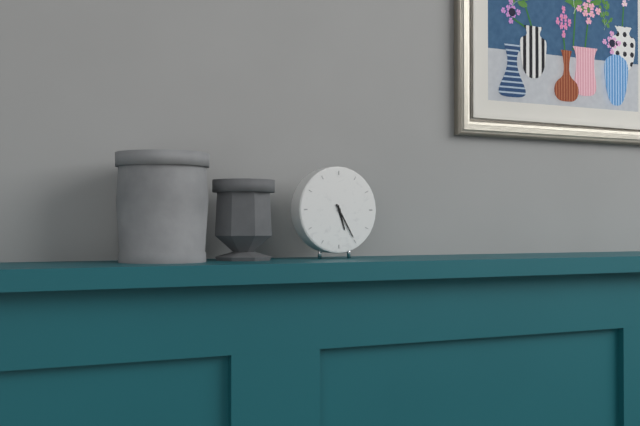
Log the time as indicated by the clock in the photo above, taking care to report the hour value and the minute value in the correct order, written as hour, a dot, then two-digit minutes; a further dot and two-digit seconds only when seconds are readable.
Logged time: 5.25
